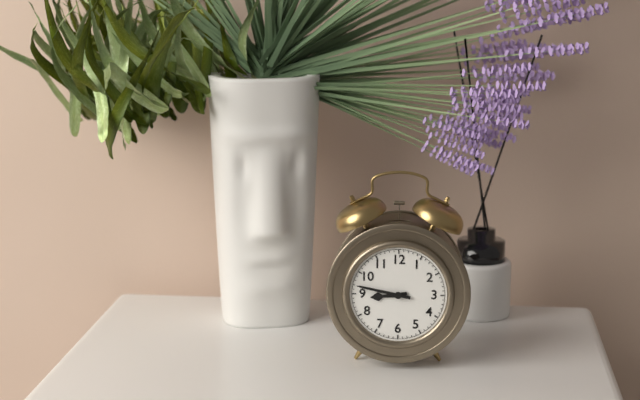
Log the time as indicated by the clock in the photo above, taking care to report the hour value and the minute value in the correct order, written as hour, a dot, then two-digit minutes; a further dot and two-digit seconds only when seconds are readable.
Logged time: 8.47
